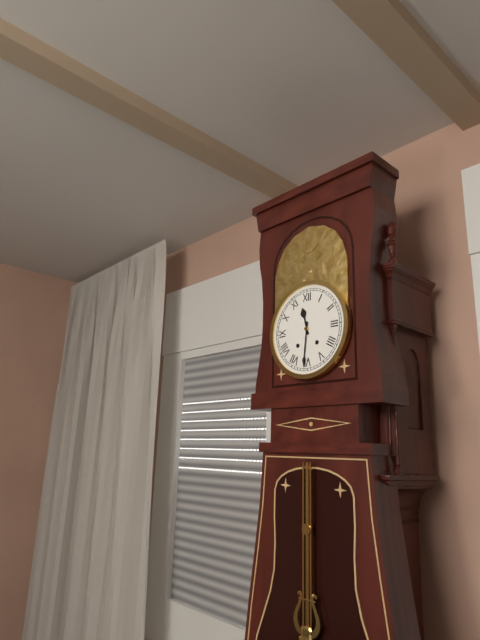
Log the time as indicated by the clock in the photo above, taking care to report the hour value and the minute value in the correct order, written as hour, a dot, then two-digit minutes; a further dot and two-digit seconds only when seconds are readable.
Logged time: 11.31
